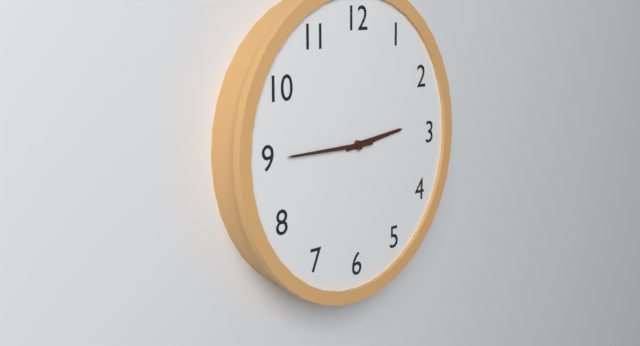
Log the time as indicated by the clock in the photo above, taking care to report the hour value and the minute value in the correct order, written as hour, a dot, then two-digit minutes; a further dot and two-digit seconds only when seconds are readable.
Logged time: 2.45
